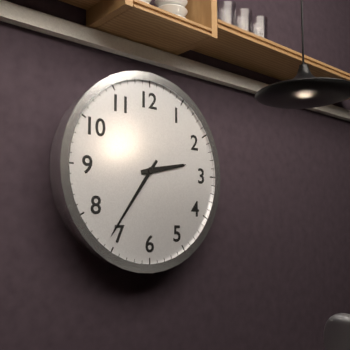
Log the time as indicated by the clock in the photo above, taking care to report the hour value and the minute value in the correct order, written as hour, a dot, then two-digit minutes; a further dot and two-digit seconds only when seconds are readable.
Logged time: 2.36
